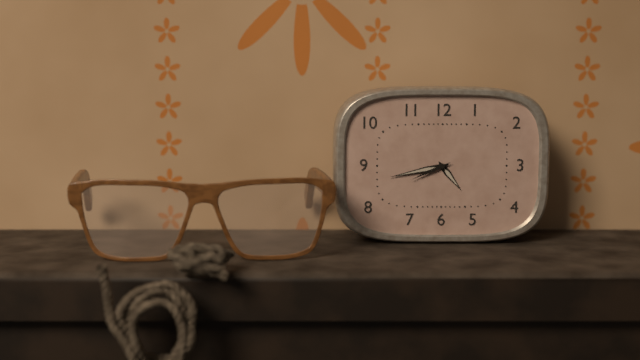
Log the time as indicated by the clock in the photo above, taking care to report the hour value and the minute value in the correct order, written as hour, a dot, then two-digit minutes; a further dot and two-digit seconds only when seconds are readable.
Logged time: 4.43
